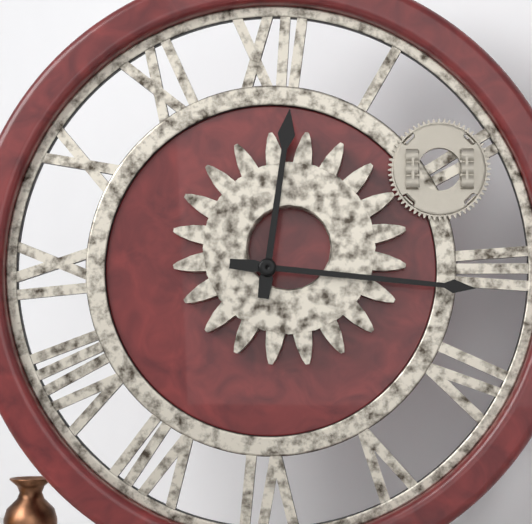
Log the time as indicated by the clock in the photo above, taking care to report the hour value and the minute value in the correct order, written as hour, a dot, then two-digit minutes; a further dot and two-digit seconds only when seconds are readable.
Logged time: 12.16
